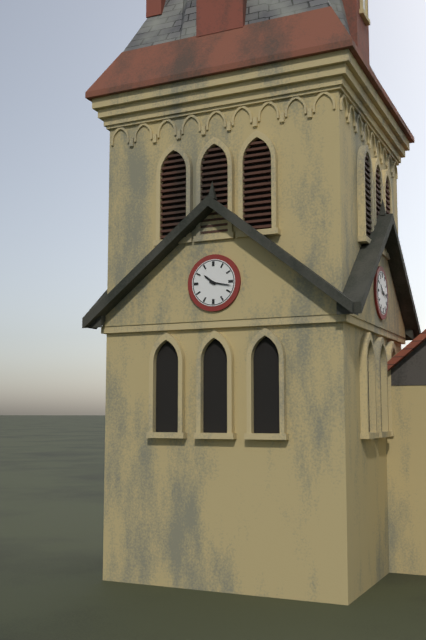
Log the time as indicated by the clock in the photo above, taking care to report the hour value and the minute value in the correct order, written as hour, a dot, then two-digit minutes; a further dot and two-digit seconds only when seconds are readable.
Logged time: 10.17
